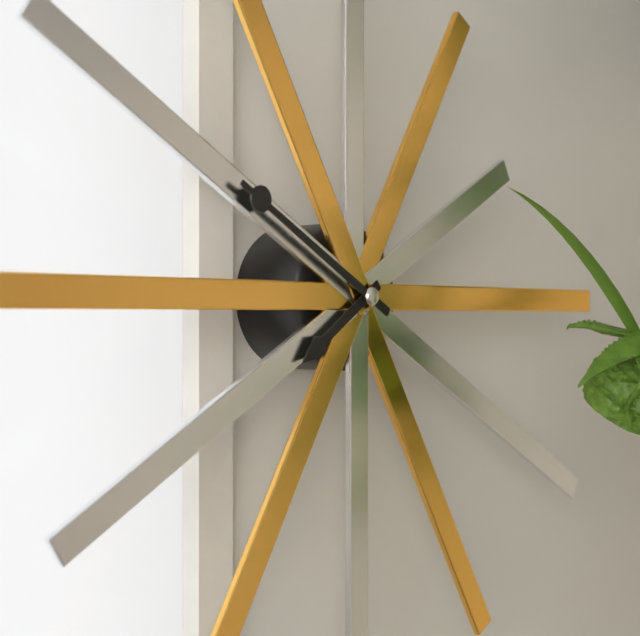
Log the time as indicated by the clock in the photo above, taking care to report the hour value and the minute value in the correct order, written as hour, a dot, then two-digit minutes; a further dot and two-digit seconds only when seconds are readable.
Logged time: 7.50
